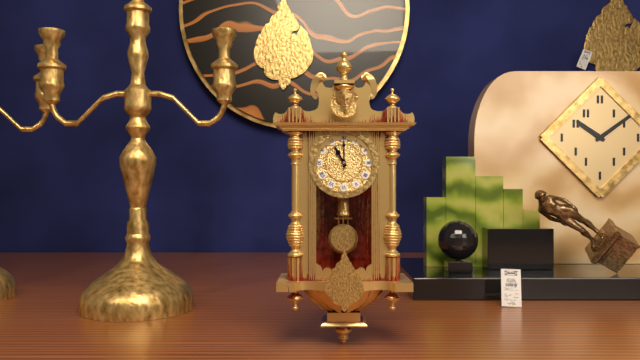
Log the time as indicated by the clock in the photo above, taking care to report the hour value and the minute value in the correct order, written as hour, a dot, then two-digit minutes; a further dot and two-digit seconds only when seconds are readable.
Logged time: 11.00
